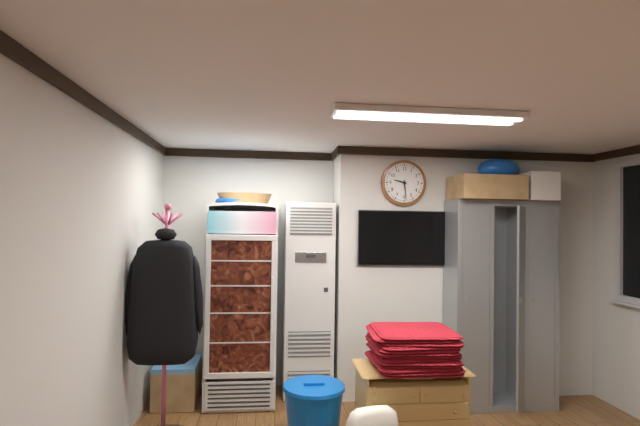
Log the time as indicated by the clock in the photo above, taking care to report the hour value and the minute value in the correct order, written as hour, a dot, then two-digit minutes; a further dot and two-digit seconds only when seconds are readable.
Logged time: 9.29
